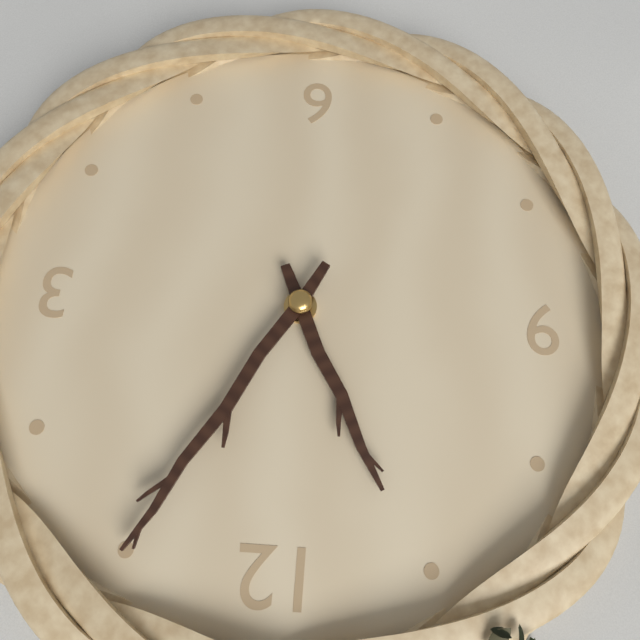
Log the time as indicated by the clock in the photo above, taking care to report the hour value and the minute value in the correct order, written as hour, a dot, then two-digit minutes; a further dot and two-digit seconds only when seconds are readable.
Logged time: 11.05
